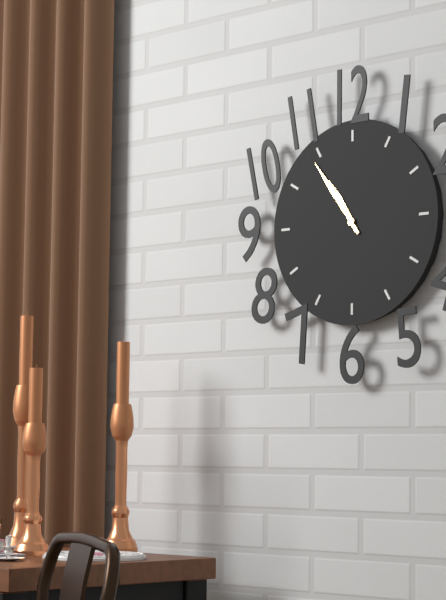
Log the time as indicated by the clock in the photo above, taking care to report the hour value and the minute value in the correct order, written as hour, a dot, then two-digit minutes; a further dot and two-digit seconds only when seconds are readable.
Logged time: 10.54
